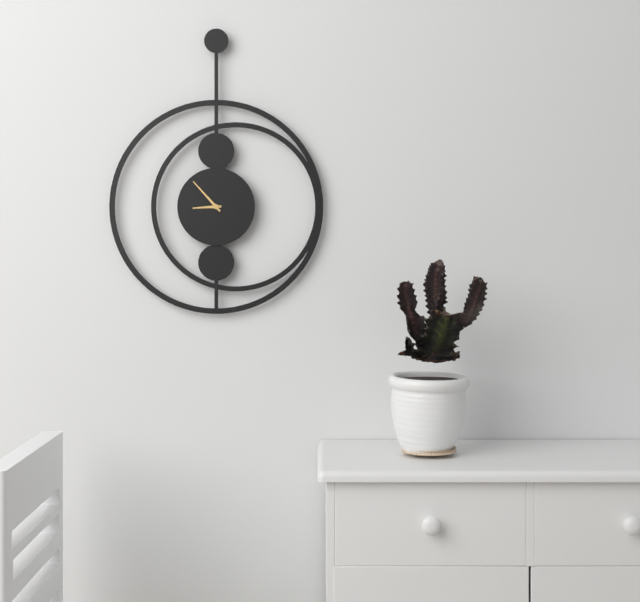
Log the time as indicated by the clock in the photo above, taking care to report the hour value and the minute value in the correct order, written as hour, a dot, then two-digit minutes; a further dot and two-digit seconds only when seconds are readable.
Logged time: 8.53
